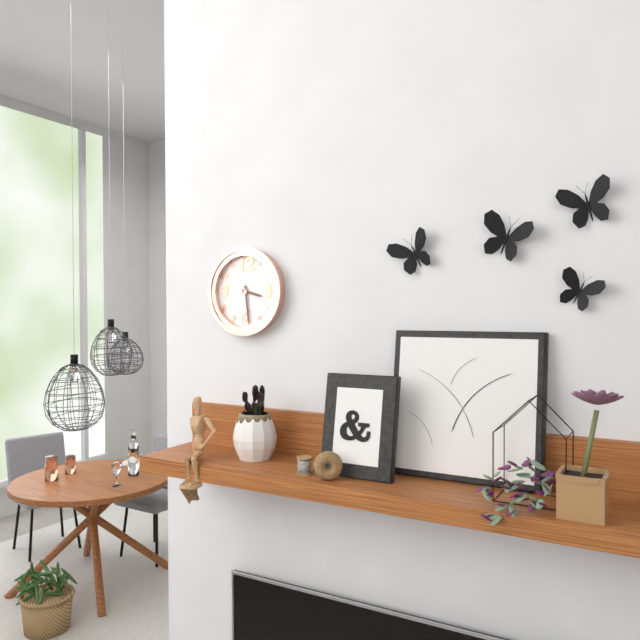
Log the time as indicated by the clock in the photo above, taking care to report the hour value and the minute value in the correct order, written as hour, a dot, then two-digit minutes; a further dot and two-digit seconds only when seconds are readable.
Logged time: 3.29
